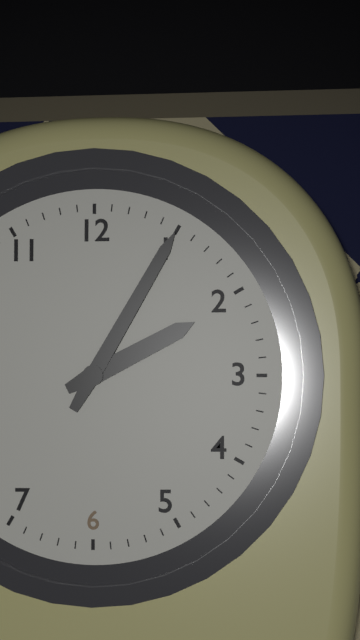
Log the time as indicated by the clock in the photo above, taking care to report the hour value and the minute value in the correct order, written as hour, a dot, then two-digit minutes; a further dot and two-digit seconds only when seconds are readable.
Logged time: 2.05
